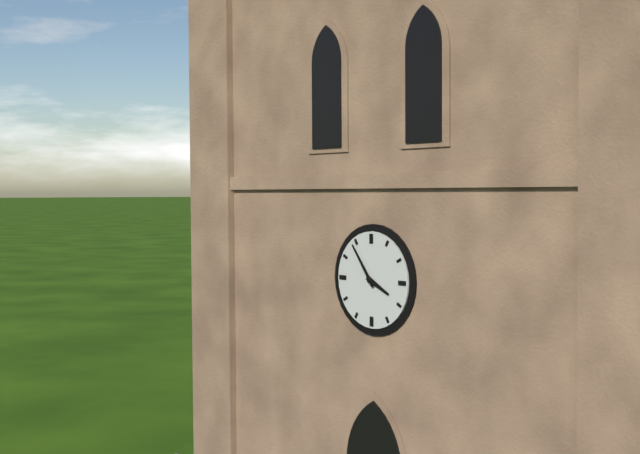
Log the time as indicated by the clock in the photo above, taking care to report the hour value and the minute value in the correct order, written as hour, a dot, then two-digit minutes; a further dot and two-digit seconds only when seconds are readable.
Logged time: 3.54
